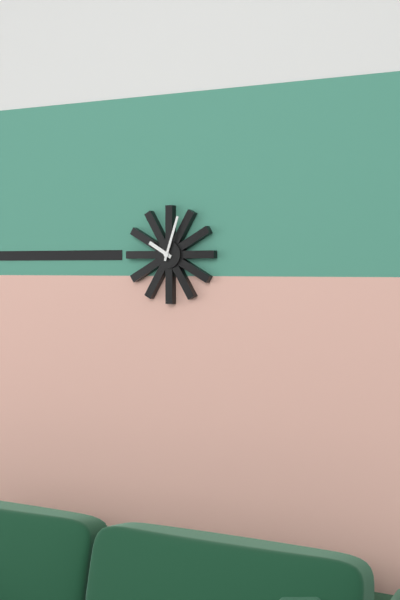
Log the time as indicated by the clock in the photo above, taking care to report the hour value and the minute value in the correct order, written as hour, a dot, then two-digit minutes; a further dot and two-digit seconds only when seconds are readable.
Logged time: 10.03
